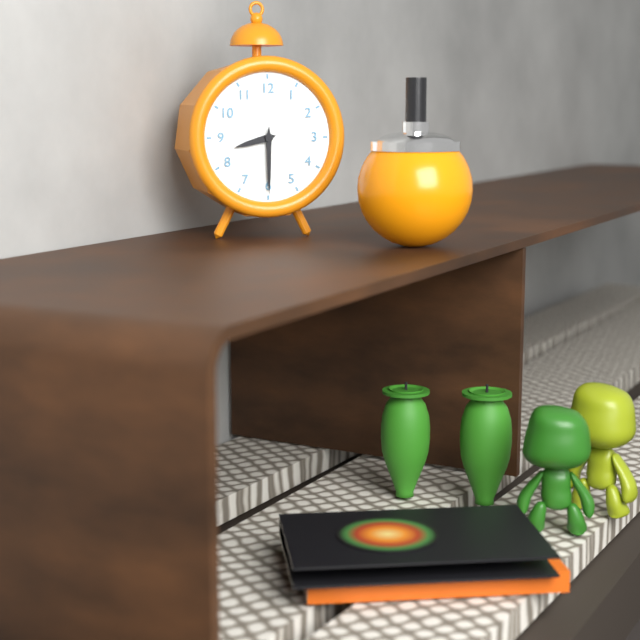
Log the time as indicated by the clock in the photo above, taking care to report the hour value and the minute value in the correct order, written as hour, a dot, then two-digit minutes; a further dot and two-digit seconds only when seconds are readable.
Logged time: 8.30
